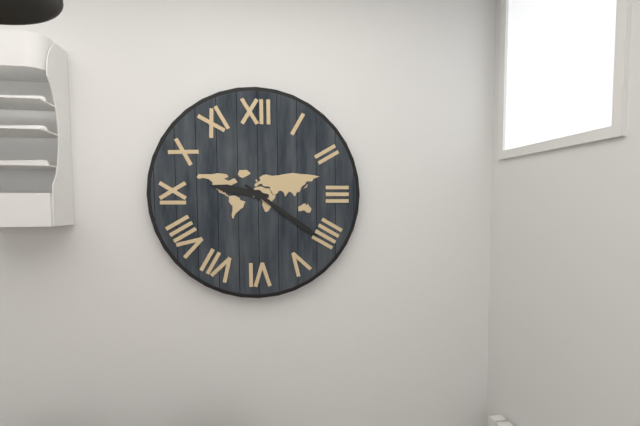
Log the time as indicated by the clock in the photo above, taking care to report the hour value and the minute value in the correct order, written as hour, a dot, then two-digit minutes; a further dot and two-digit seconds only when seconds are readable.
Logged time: 9.21
